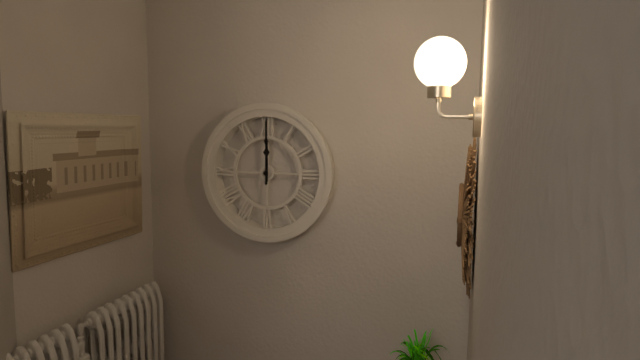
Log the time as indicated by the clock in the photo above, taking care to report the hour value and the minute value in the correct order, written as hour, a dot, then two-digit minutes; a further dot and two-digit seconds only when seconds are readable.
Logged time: 12.00
